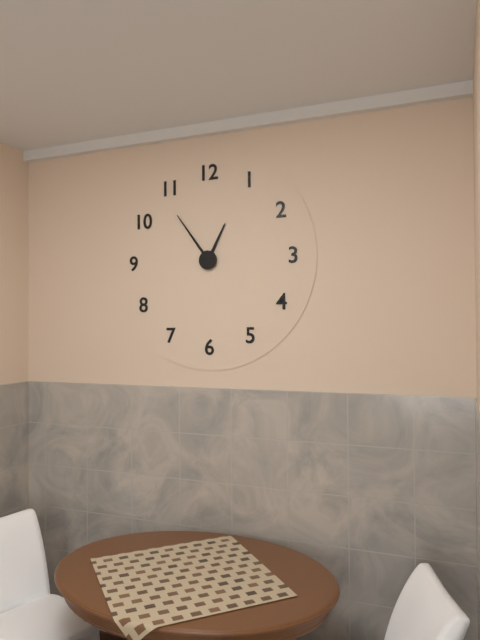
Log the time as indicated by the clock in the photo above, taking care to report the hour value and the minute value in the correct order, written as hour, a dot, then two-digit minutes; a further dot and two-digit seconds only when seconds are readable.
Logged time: 12.54
